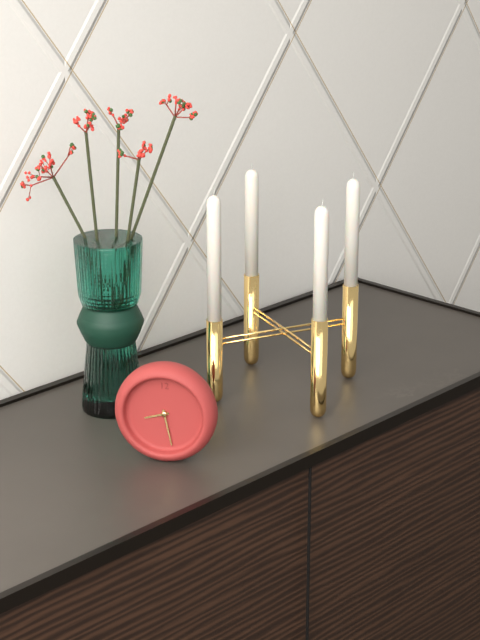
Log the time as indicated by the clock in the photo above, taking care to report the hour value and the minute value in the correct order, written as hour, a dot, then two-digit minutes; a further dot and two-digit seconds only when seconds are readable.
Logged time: 8.28
